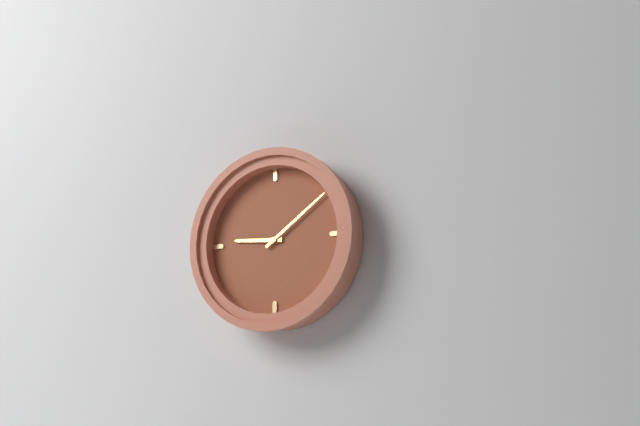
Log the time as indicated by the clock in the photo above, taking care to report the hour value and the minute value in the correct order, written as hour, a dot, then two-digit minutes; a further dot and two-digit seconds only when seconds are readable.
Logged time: 9.09
